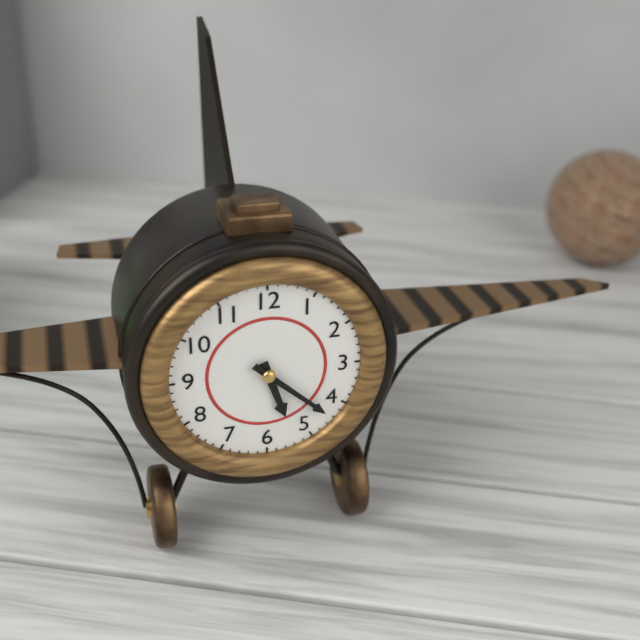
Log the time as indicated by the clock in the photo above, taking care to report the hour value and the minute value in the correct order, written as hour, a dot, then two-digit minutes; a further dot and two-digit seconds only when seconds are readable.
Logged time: 5.22
